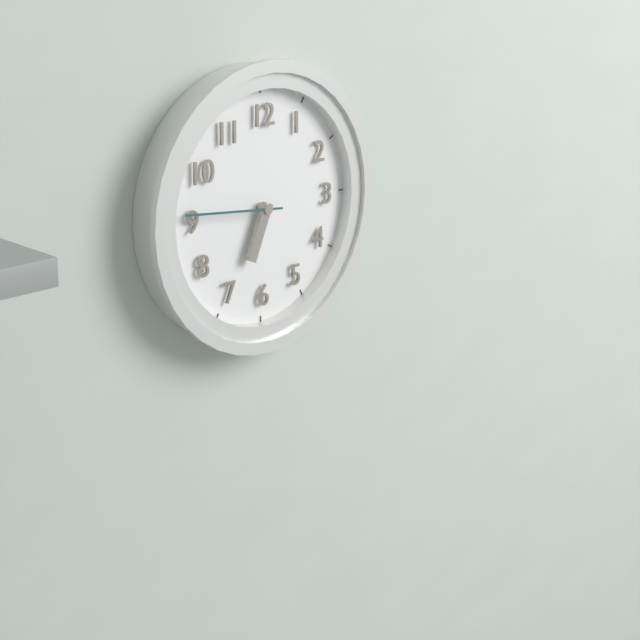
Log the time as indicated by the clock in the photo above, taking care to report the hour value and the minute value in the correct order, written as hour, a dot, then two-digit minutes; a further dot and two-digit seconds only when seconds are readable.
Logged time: 6.46
